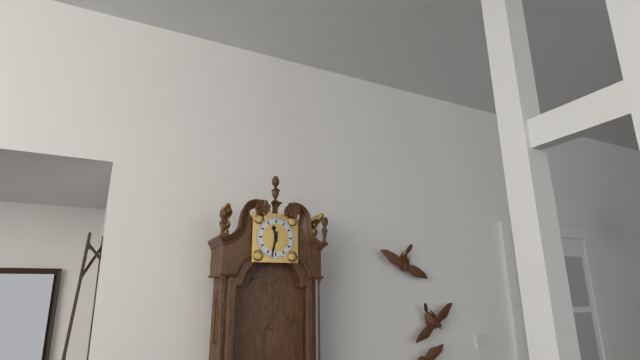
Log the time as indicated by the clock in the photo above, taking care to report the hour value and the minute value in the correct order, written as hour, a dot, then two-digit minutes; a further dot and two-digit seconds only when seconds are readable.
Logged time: 11.32
